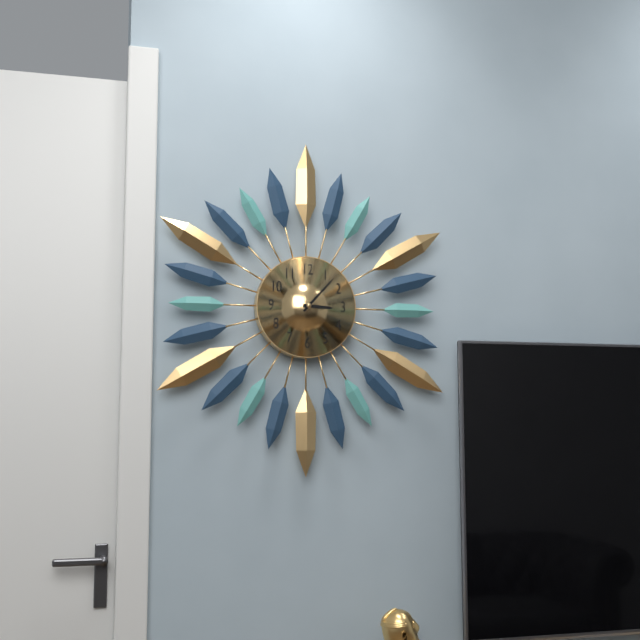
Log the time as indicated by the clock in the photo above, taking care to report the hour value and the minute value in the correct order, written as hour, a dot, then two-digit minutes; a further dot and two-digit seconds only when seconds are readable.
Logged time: 3.07
